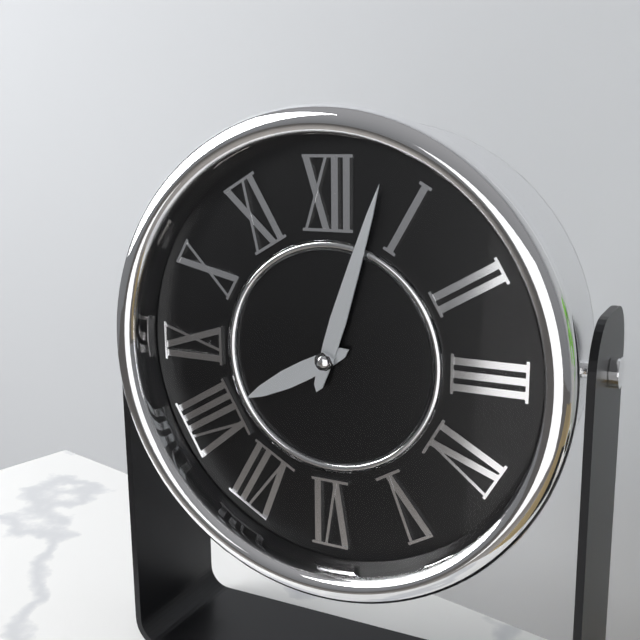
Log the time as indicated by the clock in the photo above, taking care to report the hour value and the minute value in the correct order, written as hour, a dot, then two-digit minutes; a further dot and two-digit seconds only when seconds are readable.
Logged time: 8.03
